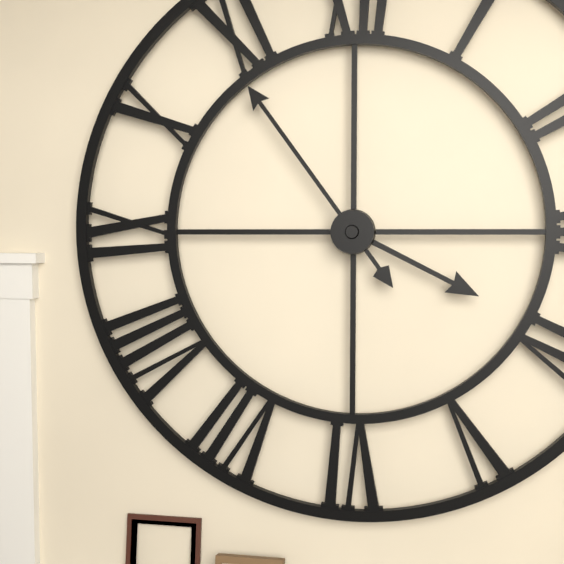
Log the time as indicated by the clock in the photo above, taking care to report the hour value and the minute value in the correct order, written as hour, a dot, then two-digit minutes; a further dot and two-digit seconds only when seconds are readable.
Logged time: 3.54
